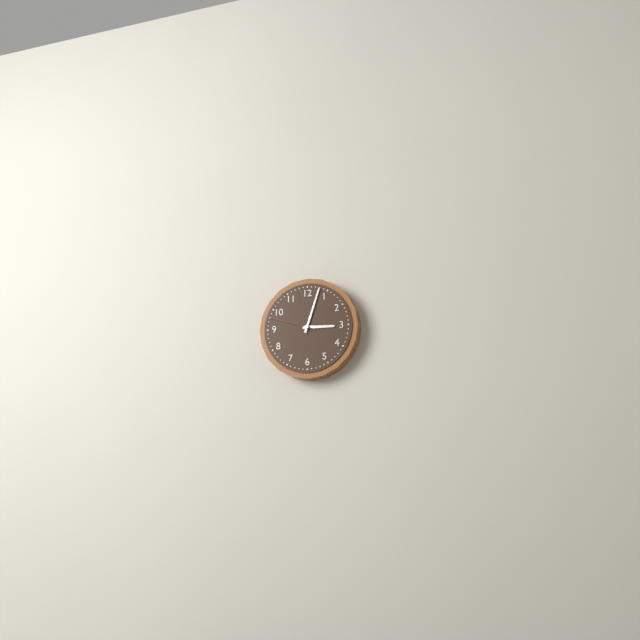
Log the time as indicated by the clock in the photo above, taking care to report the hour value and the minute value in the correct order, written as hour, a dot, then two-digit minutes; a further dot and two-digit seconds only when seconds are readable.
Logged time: 3.03
